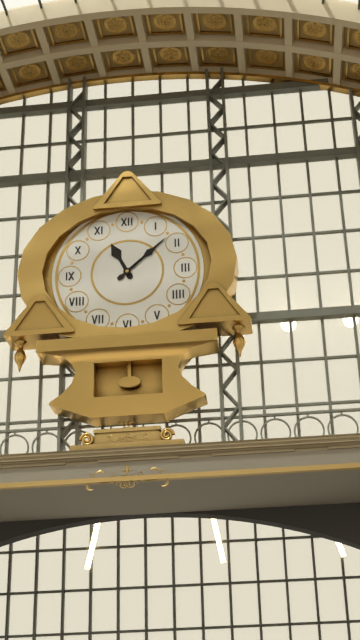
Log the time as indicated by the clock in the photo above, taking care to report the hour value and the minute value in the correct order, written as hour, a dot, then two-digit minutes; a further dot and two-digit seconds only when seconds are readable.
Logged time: 11.08
